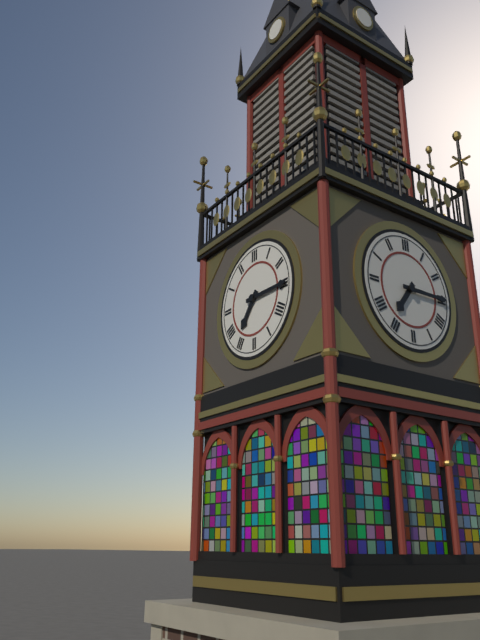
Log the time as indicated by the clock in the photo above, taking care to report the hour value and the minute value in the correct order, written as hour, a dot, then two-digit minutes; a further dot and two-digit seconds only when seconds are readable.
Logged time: 7.15
